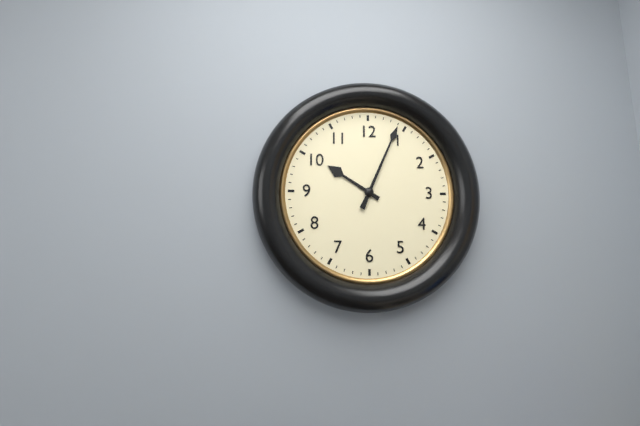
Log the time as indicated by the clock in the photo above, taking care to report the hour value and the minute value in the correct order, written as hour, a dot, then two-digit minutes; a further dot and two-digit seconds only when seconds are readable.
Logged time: 10.04
